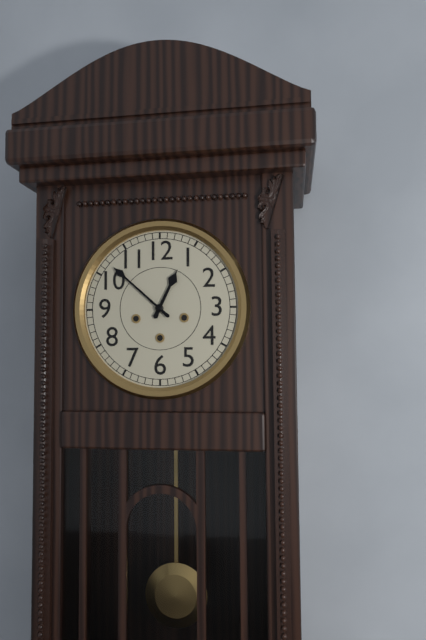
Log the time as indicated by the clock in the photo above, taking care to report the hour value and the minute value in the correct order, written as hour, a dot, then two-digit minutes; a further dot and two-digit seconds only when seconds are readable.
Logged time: 12.52
